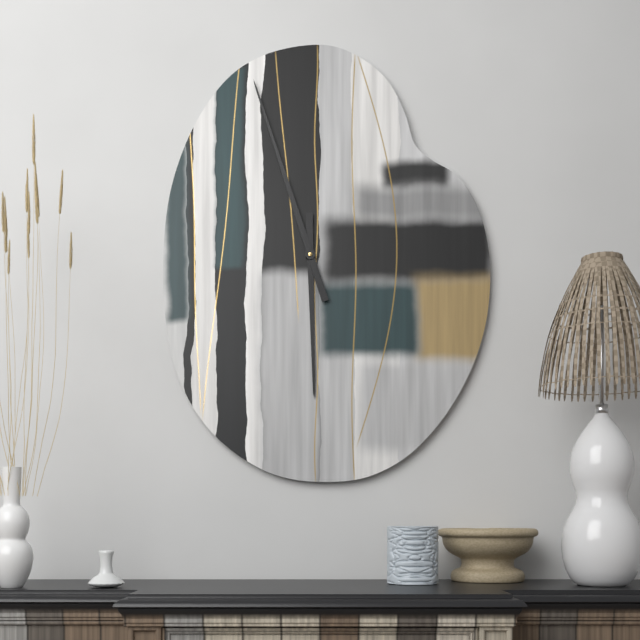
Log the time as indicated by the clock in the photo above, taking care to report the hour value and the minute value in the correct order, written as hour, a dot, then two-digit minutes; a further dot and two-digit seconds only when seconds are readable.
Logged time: 5.57
